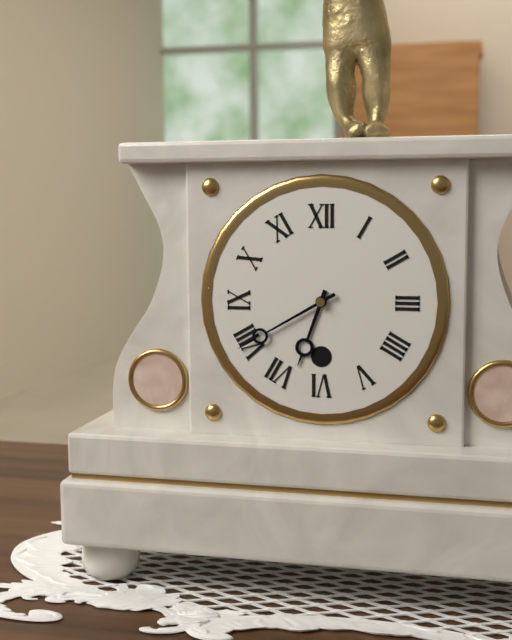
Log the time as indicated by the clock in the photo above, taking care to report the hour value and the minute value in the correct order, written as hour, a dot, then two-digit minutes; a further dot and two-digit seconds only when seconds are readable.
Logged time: 6.40
